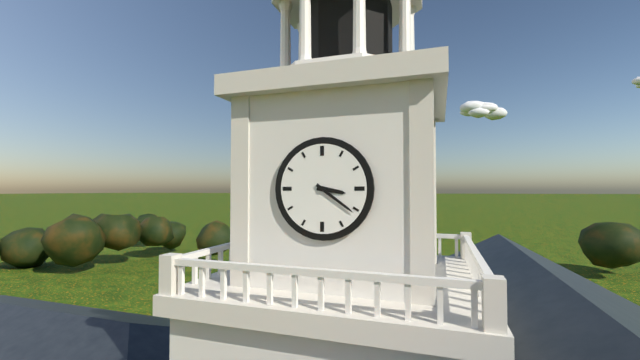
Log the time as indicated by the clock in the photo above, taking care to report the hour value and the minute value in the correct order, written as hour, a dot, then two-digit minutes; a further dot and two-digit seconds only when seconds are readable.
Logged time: 3.21
